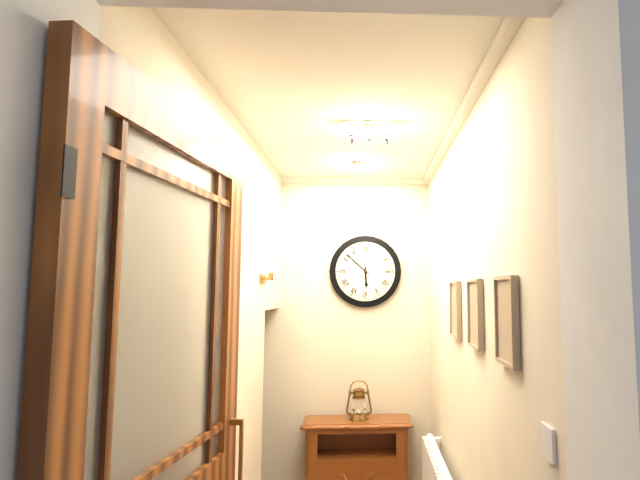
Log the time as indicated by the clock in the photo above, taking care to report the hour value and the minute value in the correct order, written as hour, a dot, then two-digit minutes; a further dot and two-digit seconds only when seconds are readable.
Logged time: 5.52
